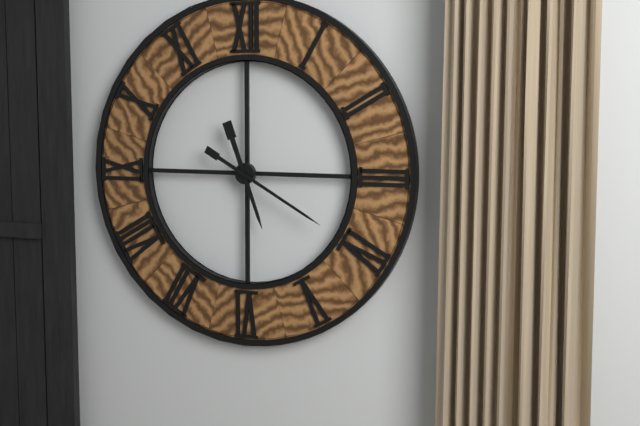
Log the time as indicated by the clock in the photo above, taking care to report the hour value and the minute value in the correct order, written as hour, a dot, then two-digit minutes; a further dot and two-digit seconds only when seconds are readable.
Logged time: 5.20
